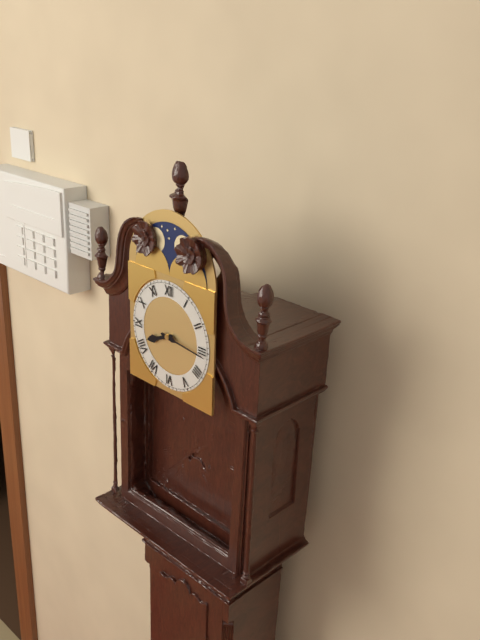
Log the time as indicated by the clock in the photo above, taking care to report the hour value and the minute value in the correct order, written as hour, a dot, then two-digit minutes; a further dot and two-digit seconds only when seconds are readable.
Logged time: 8.16
